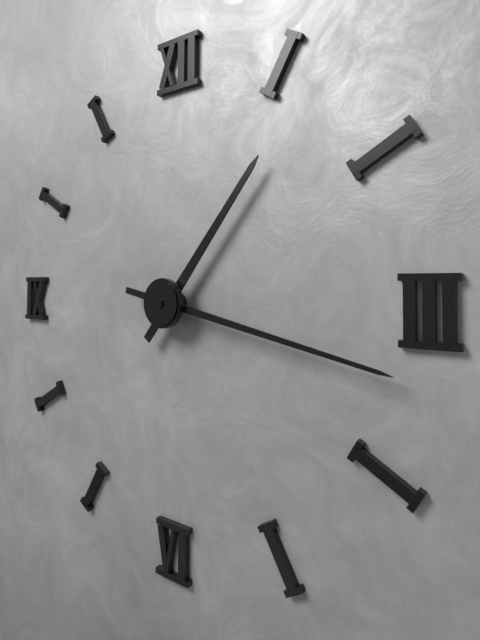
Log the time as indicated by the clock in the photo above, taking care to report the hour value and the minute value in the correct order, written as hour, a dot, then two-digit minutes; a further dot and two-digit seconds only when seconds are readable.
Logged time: 1.17
